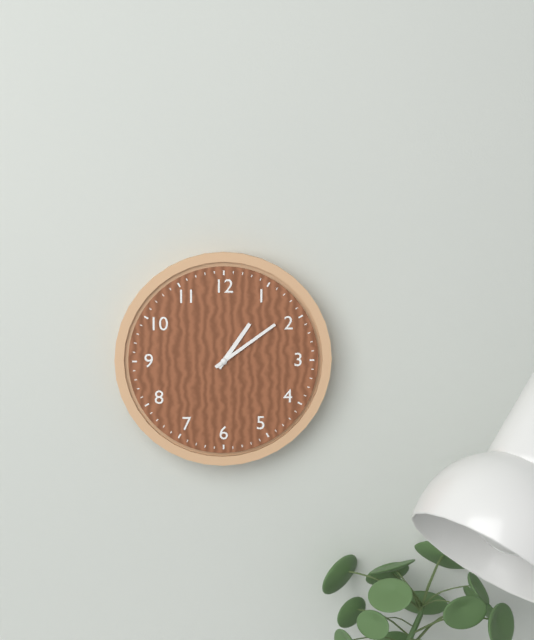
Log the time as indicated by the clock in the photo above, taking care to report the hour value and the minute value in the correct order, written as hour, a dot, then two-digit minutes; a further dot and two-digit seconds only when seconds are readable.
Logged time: 1.09
